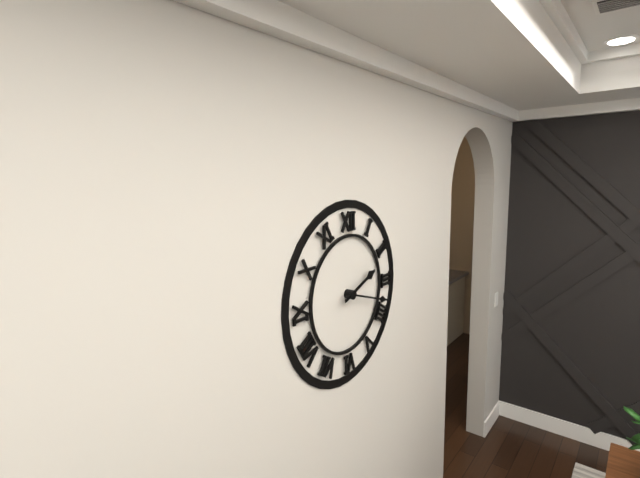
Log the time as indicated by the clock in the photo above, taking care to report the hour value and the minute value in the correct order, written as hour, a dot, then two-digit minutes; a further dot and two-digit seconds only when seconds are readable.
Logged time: 2.18
